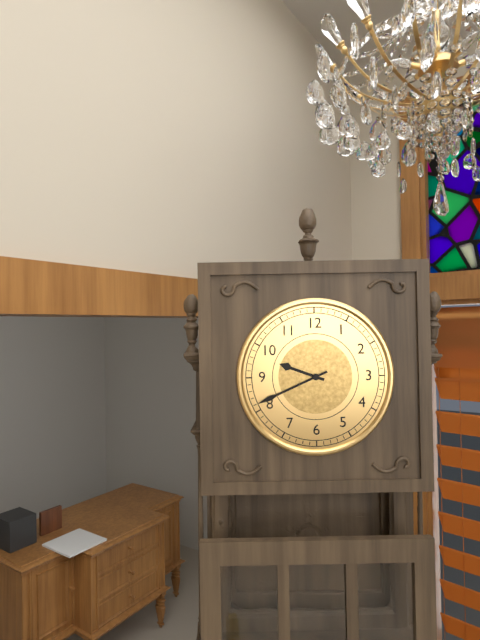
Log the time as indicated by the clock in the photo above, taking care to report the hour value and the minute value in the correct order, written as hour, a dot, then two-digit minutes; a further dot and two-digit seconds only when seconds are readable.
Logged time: 9.41
